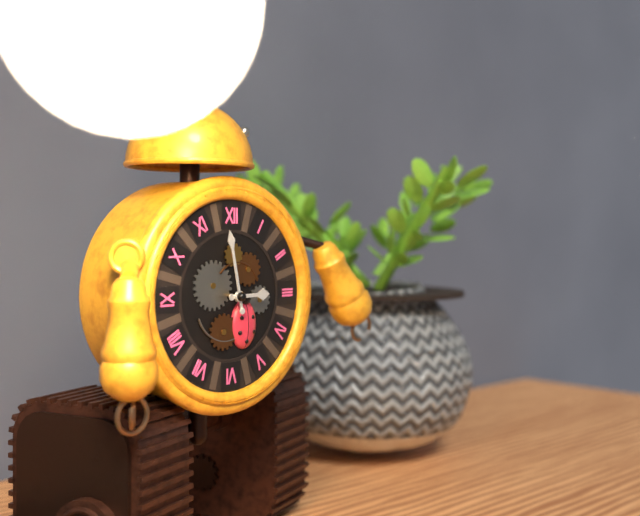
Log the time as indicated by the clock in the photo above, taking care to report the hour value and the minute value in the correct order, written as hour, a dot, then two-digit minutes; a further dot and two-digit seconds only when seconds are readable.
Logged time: 2.58
